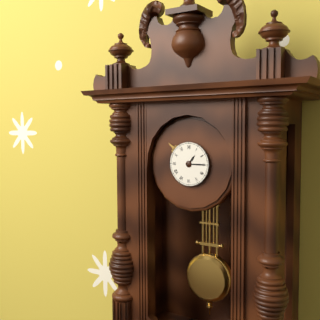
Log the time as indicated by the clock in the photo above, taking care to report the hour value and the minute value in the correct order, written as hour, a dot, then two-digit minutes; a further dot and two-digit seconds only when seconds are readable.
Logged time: 1.15
